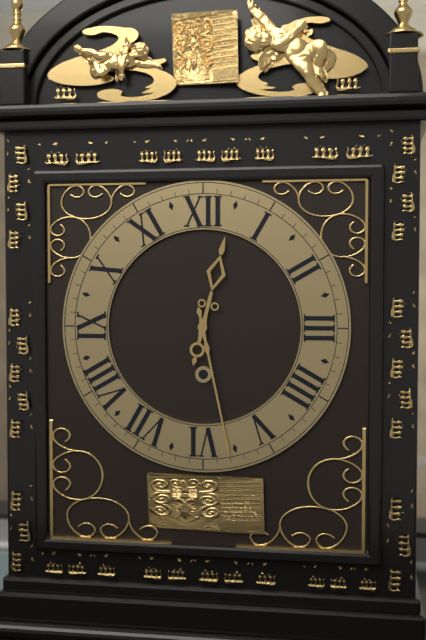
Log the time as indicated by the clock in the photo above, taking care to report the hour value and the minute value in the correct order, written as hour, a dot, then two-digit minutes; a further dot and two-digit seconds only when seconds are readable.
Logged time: 12.28
